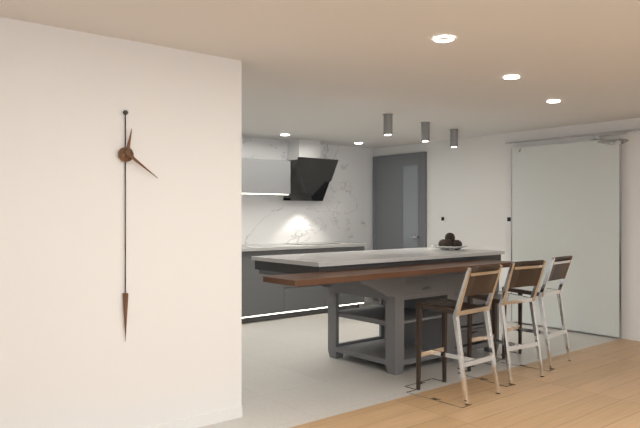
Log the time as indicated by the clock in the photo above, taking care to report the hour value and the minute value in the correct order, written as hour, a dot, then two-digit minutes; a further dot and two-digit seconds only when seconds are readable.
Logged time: 12.21
